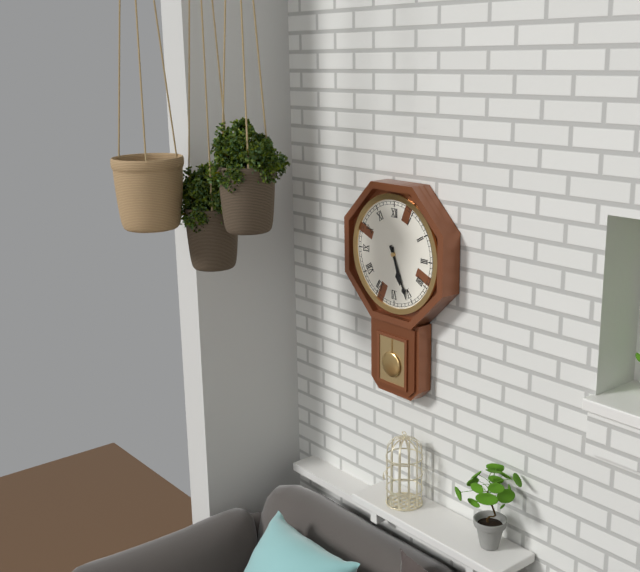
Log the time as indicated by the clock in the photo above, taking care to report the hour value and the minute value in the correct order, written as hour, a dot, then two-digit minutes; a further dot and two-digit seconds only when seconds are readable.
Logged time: 5.26
